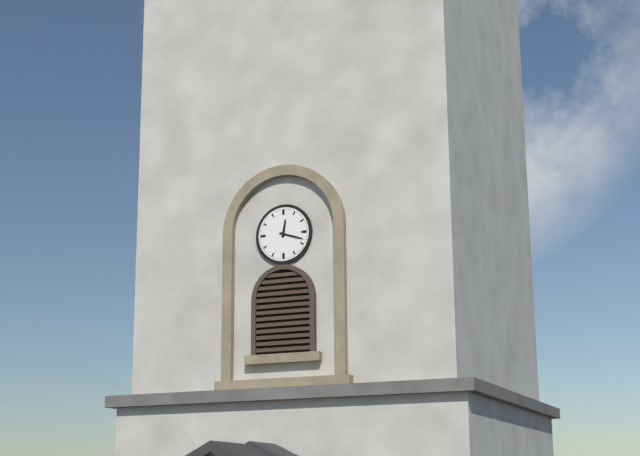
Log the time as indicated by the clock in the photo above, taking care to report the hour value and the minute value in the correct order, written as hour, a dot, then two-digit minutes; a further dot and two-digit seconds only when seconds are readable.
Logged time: 12.18
